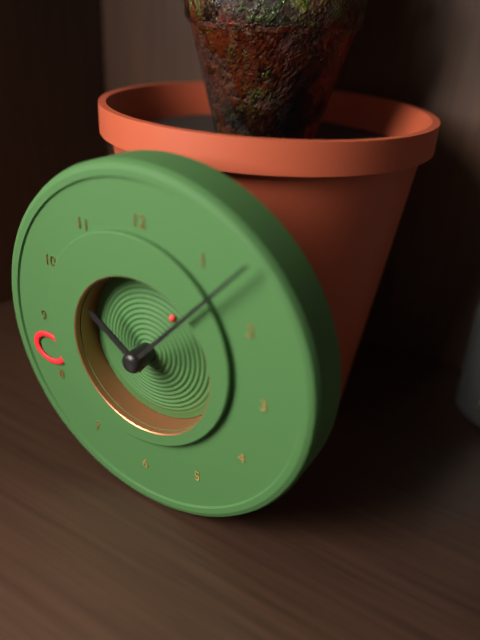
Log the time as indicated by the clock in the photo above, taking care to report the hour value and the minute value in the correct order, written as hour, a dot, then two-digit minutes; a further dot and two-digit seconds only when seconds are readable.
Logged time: 10.07
